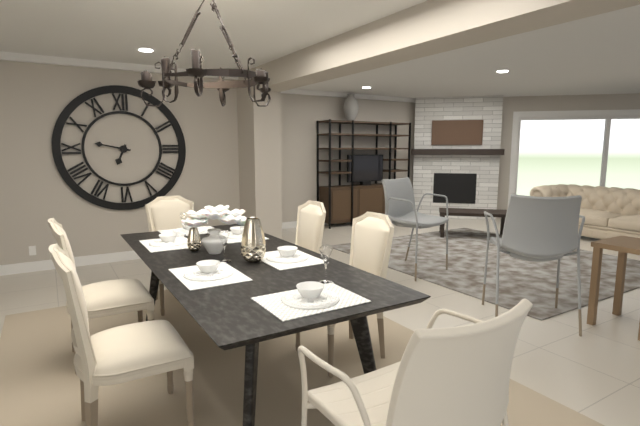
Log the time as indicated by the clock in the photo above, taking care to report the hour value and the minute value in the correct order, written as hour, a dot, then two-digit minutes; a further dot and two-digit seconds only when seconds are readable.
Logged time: 6.47
